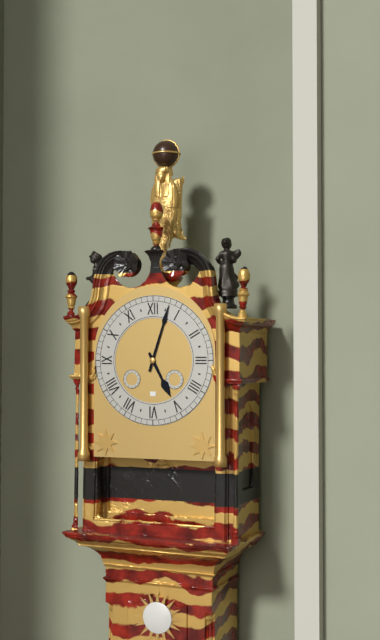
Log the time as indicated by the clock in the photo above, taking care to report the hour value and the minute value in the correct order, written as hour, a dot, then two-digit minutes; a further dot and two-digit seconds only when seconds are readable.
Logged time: 5.03
